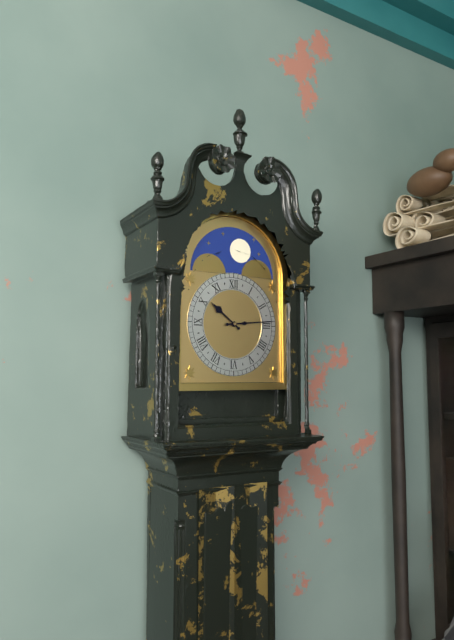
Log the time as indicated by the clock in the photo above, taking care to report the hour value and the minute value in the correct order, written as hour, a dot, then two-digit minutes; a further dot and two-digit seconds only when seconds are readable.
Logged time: 10.14
